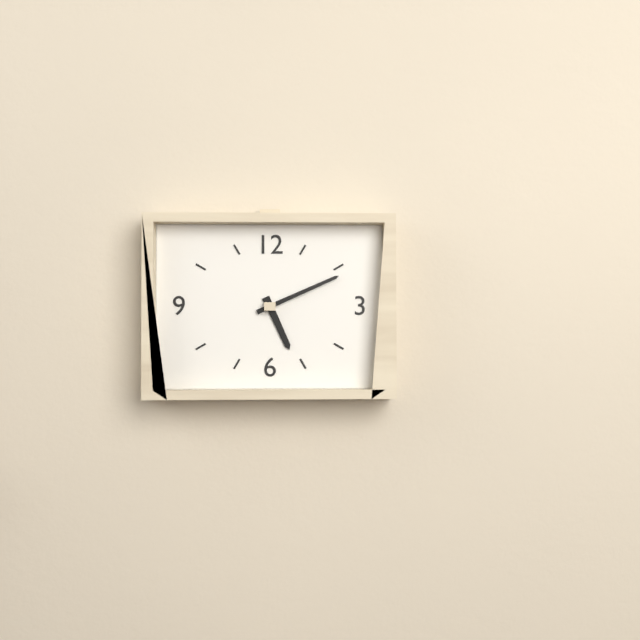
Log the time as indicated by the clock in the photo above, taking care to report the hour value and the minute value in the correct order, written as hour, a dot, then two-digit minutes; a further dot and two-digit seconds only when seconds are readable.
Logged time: 5.11
